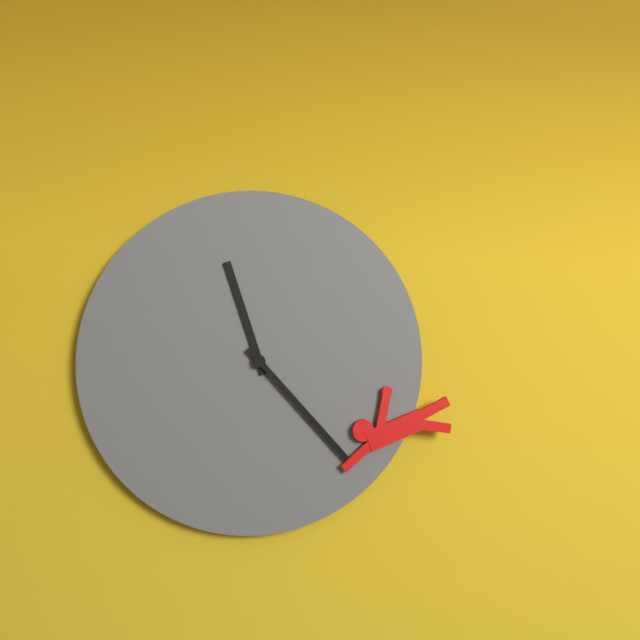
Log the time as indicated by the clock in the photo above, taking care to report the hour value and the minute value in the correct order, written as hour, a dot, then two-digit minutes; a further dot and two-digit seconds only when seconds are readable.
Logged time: 11.23
